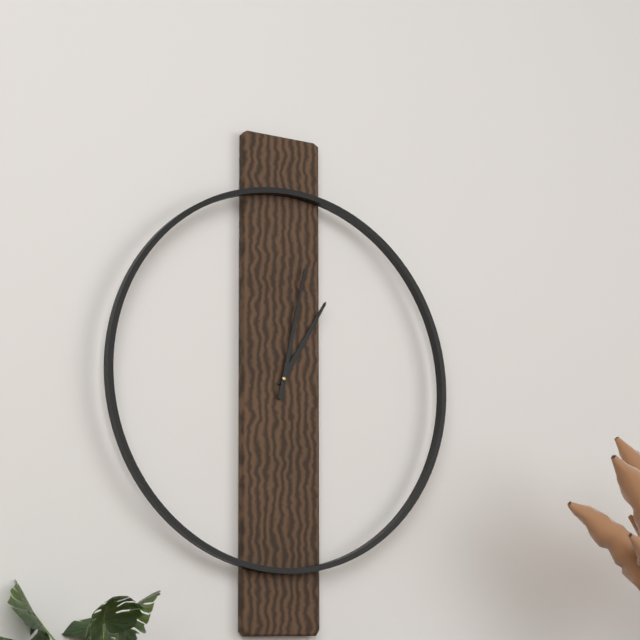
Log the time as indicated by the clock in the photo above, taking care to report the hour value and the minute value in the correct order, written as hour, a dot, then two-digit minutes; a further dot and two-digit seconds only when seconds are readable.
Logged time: 1.02
